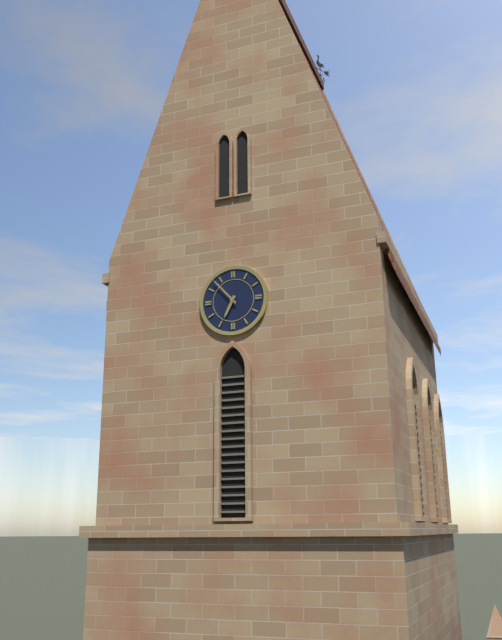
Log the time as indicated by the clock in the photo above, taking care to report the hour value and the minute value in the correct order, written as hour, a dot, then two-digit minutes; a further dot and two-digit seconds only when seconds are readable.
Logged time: 6.53
